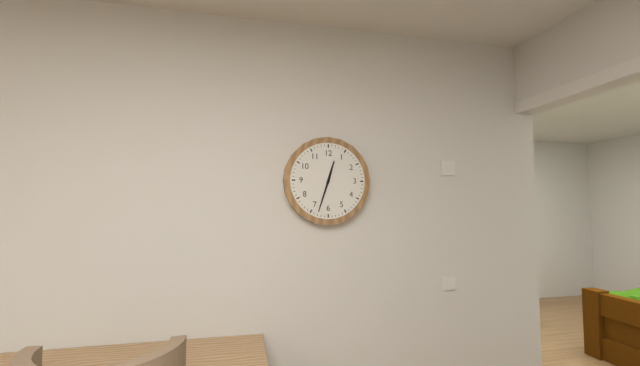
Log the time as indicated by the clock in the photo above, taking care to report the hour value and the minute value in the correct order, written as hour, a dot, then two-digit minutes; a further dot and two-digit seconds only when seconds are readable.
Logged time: 12.33
